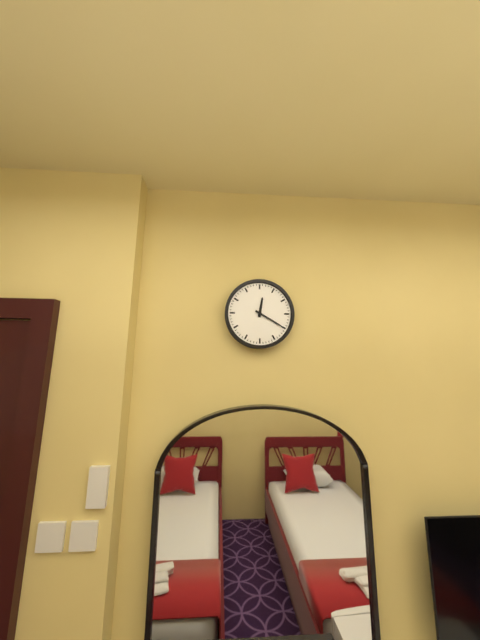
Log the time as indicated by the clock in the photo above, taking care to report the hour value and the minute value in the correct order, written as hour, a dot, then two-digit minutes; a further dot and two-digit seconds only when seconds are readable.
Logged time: 12.20
